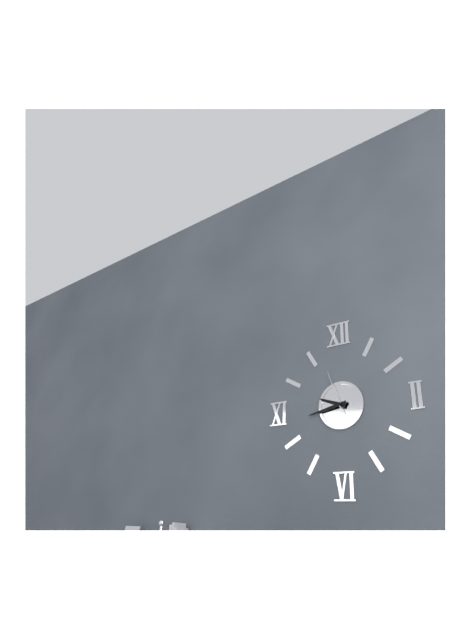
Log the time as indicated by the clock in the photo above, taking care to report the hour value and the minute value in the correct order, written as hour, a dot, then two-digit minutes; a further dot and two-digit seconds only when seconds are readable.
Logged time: 9.43
